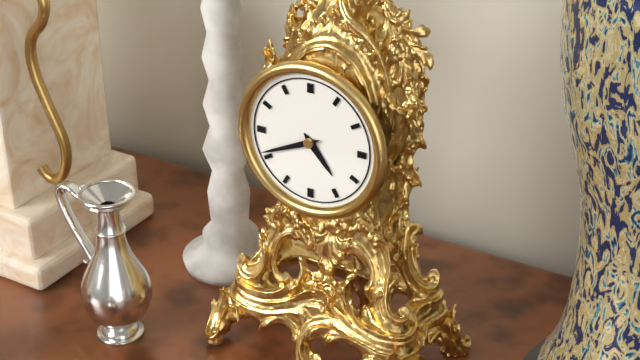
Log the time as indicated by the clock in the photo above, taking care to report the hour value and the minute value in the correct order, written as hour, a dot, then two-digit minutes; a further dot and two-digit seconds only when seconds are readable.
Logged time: 4.41
